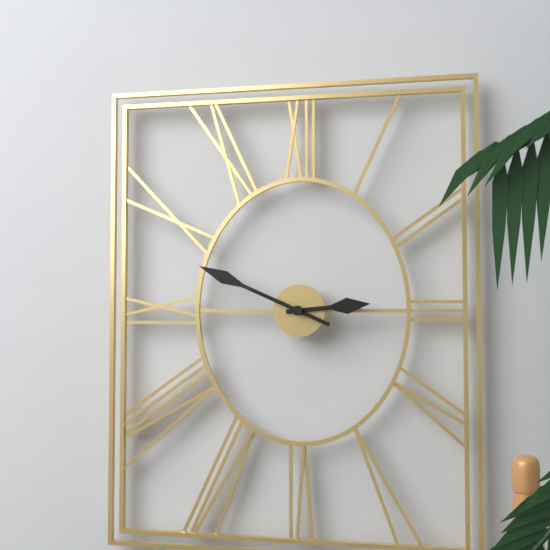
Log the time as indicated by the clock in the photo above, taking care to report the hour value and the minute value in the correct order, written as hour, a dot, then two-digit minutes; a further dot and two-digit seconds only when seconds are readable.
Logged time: 2.49
